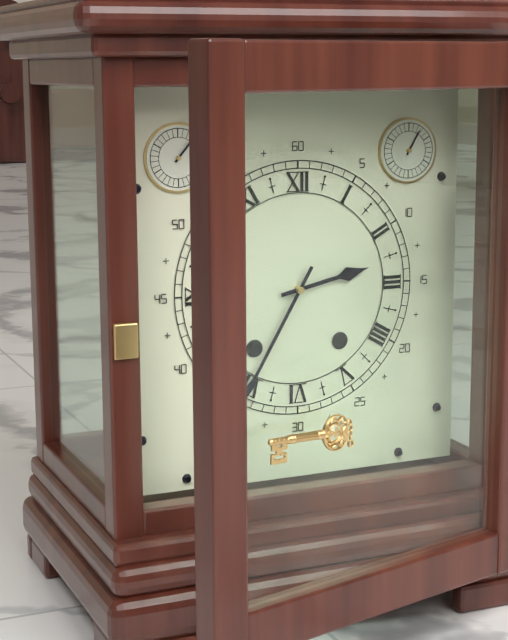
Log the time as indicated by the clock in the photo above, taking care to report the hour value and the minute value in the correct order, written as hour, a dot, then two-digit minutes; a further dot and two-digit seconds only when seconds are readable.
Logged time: 2.35
